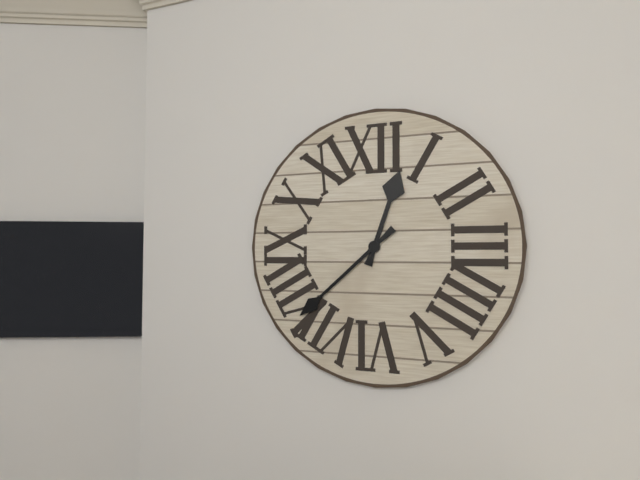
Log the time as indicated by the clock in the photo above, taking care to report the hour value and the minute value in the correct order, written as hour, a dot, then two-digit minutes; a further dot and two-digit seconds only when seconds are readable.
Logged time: 12.38
